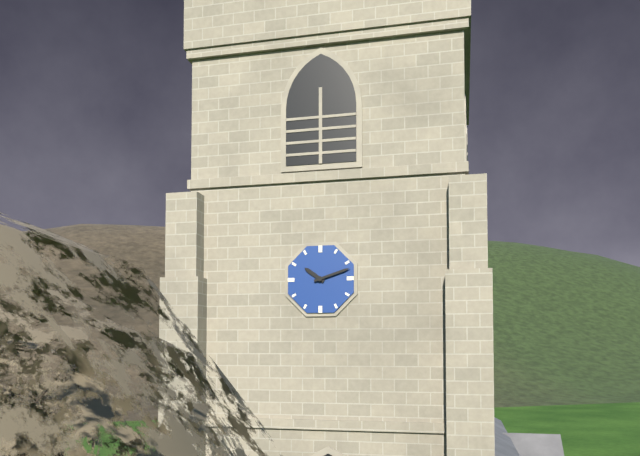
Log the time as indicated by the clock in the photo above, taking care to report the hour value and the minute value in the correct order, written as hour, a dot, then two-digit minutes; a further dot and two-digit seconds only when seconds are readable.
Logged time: 10.12
